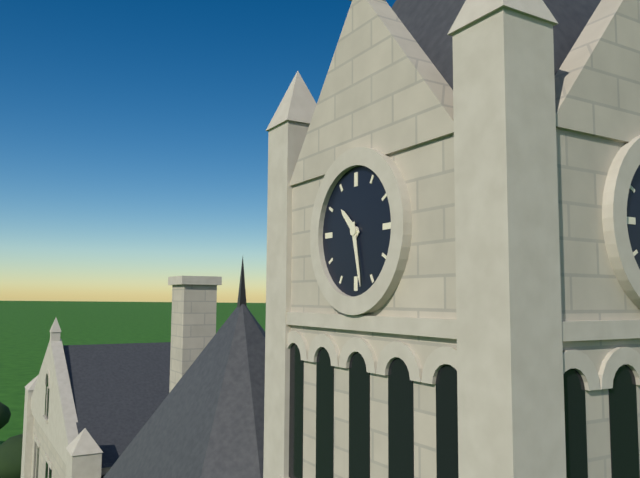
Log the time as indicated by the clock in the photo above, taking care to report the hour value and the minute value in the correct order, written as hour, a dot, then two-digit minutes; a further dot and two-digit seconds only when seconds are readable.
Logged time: 10.28
